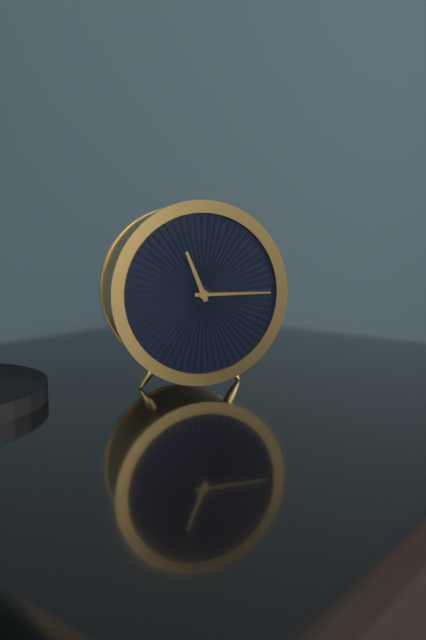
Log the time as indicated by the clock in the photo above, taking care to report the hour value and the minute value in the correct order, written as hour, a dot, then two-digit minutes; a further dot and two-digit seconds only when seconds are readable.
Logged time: 11.15
